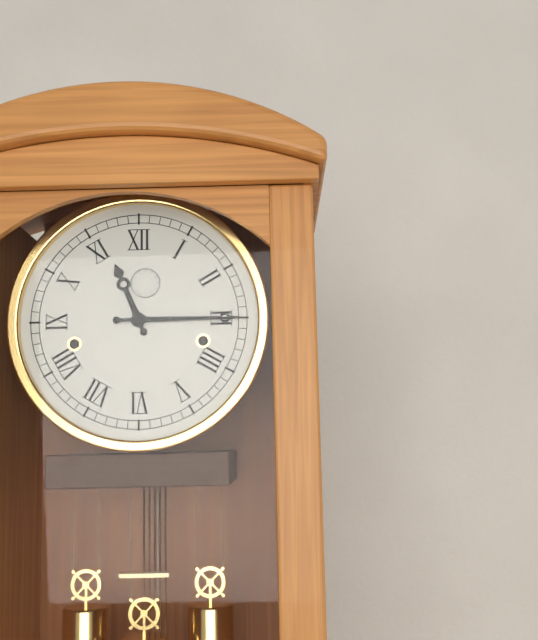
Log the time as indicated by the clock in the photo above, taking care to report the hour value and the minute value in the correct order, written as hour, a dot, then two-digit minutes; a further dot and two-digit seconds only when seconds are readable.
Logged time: 11.15
